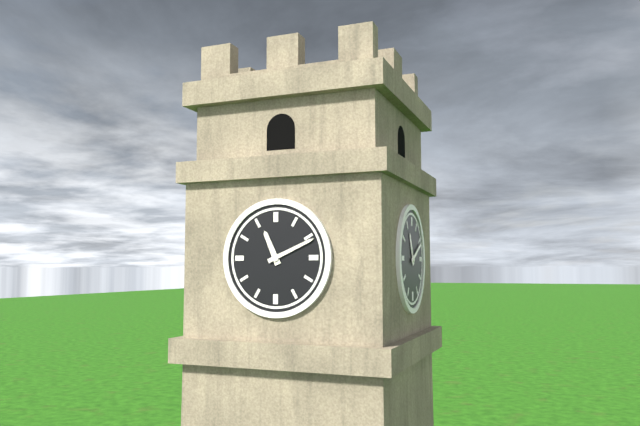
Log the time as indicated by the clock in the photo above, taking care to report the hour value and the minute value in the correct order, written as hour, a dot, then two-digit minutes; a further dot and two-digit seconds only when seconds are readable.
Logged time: 11.11
